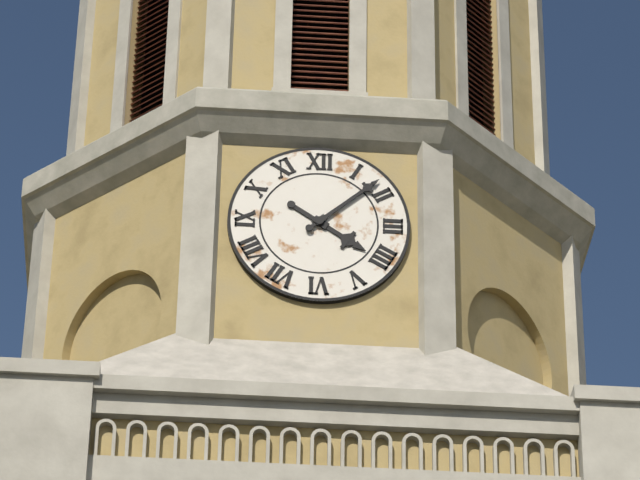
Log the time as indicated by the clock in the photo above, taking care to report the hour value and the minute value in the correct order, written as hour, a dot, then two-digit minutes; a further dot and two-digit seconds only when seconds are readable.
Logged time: 4.08
